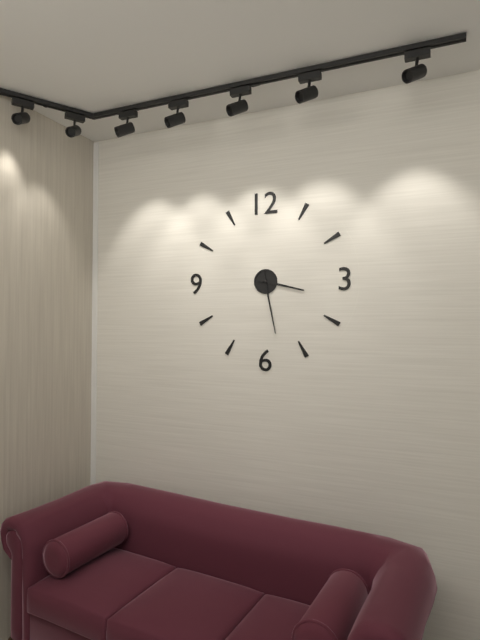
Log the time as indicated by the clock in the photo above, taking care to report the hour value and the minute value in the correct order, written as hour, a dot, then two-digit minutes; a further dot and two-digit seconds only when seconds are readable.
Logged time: 3.28
